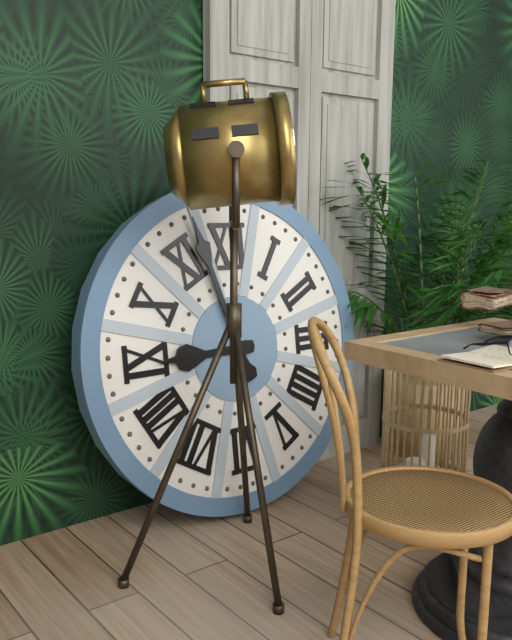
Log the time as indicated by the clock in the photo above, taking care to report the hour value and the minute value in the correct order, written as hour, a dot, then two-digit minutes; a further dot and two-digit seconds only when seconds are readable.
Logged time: 8.57
